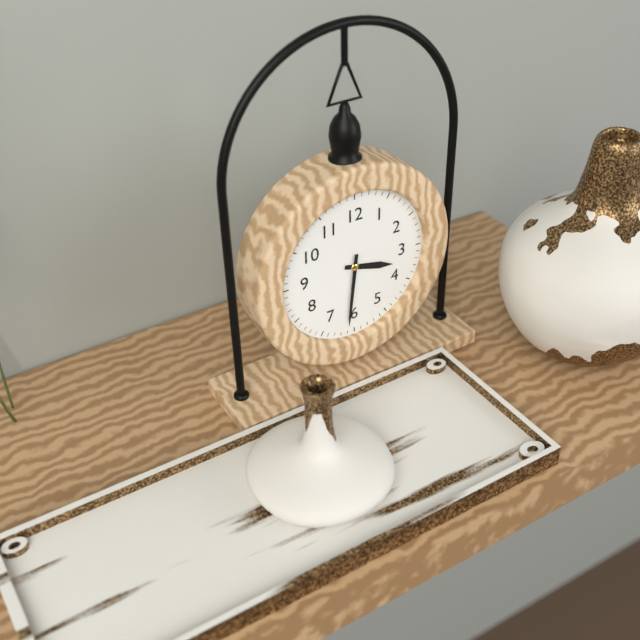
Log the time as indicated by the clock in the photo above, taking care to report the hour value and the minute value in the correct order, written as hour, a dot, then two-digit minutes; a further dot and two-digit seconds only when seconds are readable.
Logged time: 3.31
